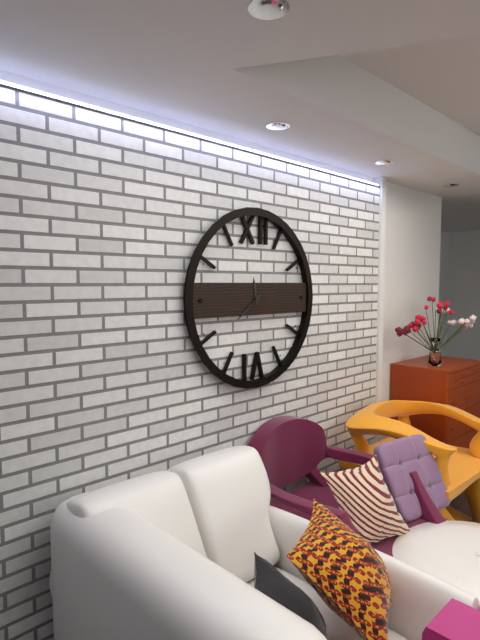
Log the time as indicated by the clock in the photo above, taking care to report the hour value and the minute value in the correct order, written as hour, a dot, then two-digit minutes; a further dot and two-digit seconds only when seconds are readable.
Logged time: 11.39
